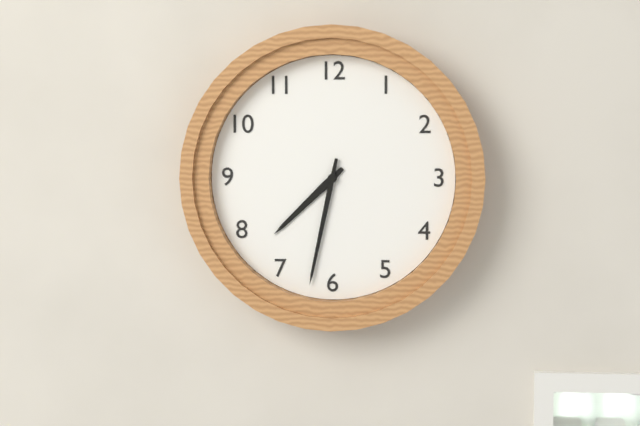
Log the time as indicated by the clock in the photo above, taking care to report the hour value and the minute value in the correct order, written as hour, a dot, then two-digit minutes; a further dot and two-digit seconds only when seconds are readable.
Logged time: 7.32
